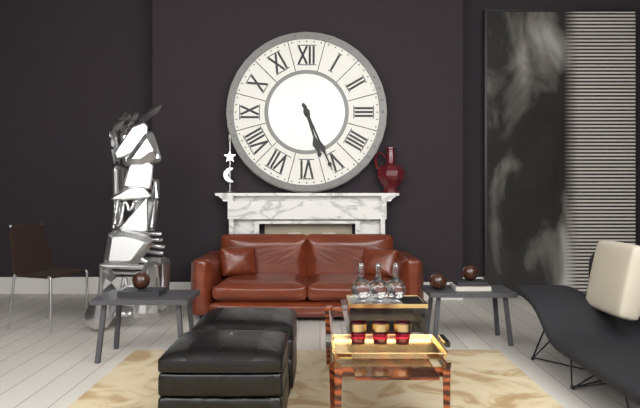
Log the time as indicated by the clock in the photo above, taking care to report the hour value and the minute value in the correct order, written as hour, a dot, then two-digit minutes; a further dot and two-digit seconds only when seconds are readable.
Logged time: 5.26
